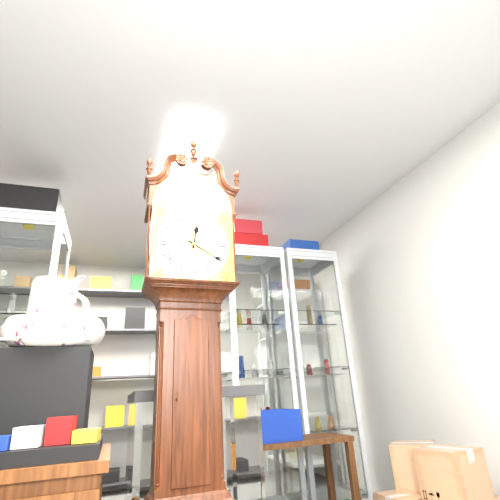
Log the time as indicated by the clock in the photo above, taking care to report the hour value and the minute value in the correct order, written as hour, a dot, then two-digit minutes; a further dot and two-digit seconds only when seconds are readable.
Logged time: 12.20
